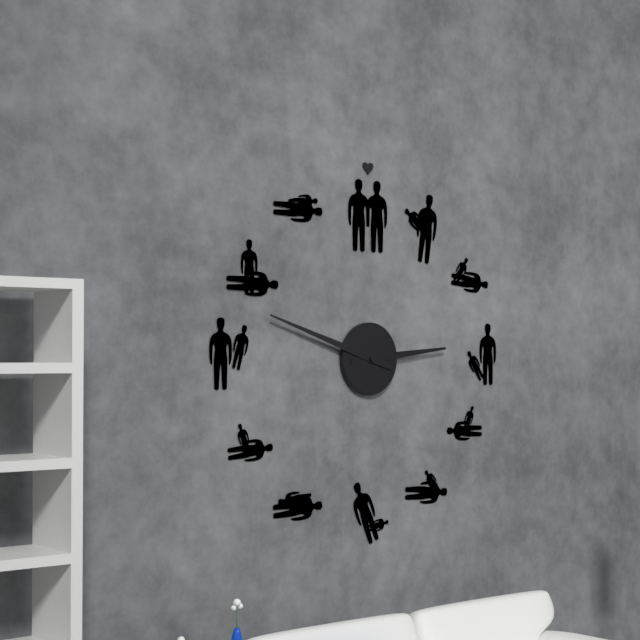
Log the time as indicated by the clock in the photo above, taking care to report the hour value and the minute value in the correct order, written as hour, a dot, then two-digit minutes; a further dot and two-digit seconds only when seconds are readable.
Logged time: 2.48
